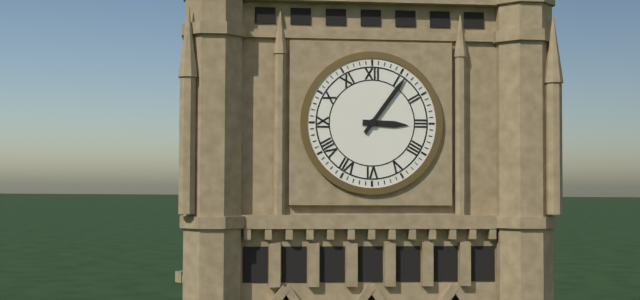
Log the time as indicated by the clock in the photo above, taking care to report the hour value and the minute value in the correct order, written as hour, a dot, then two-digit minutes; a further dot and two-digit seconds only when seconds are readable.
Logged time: 3.06
